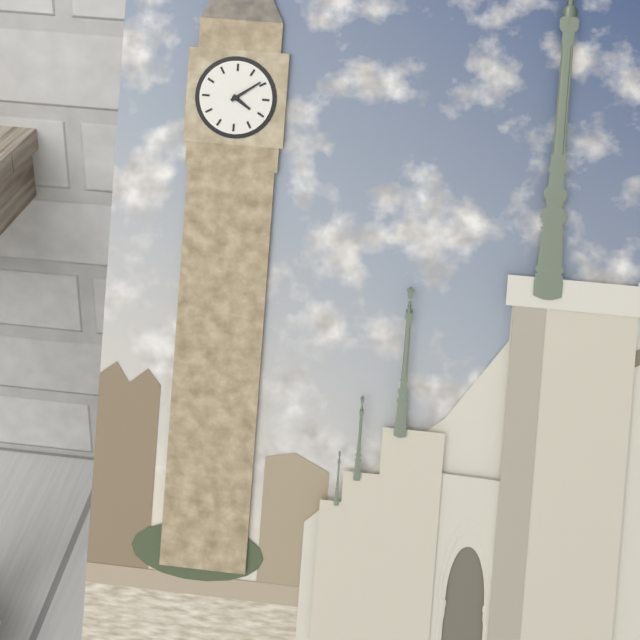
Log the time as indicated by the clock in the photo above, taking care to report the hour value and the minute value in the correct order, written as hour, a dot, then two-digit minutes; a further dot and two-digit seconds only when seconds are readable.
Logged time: 4.09
